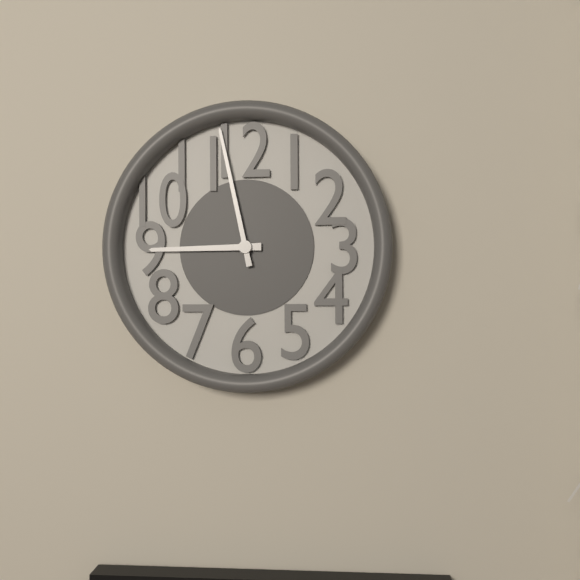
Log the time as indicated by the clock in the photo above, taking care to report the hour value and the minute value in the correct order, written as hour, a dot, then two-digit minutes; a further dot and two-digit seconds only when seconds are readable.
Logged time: 8.58
